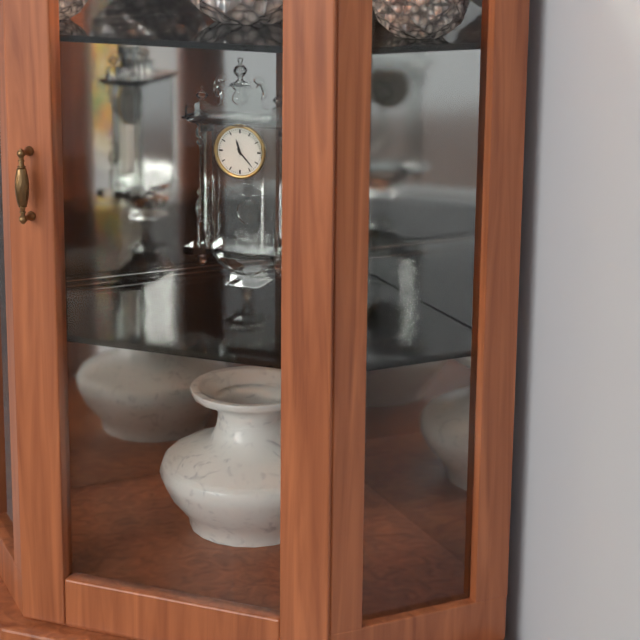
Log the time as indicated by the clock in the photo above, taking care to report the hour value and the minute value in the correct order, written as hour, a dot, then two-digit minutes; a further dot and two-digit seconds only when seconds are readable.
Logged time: 11.23
